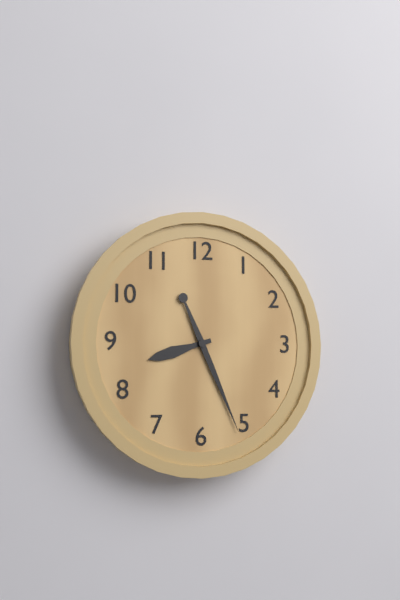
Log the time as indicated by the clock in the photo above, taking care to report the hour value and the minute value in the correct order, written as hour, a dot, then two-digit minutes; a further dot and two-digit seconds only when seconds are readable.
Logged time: 8.26
